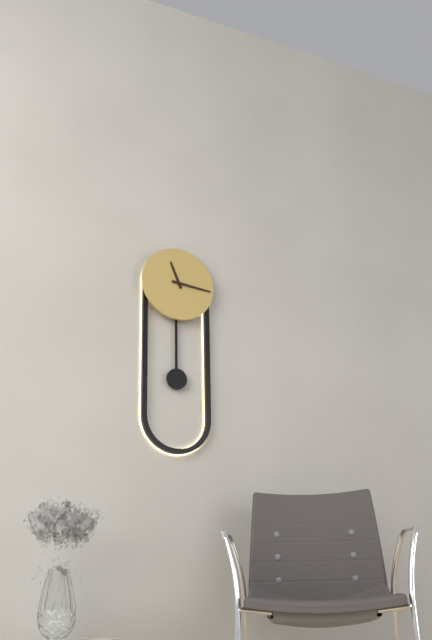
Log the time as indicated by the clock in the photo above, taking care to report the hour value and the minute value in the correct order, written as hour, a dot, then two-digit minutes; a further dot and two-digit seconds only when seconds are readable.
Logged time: 11.16
